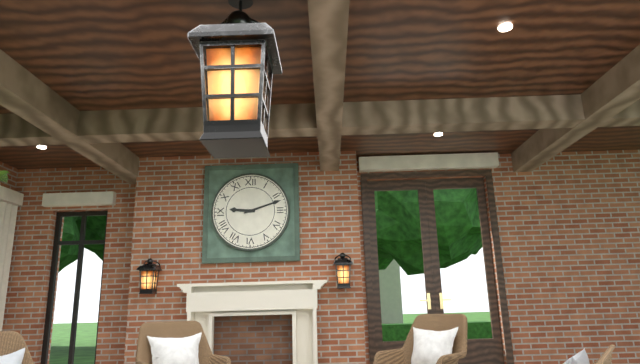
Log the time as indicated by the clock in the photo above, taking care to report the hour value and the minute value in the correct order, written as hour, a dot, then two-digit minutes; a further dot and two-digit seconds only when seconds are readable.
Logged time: 9.12
